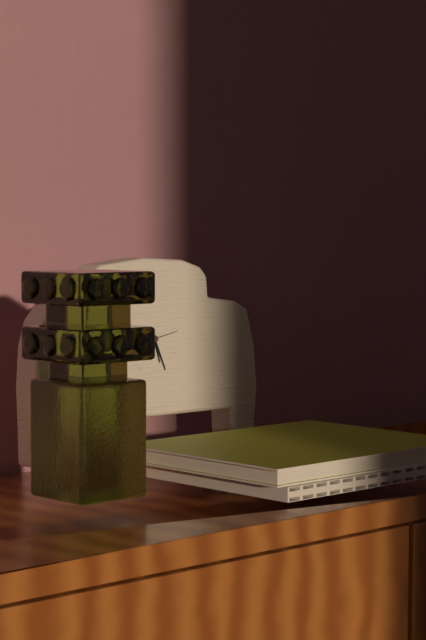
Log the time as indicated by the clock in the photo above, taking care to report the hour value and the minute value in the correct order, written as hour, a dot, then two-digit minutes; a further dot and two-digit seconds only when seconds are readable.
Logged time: 5.26
